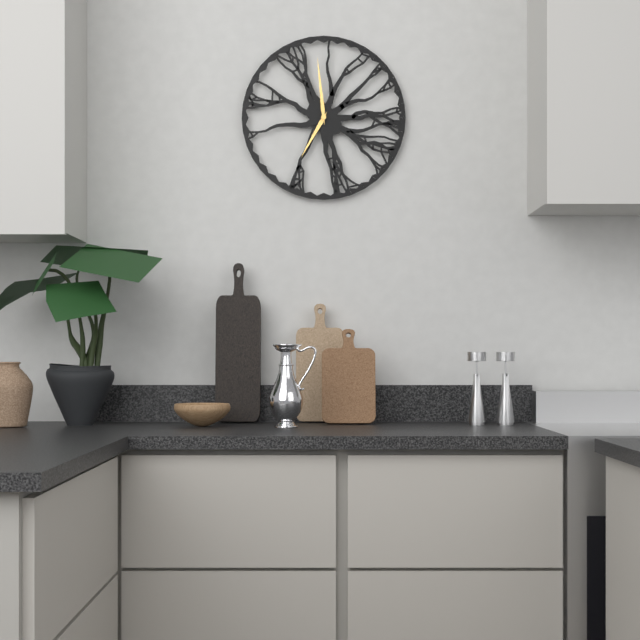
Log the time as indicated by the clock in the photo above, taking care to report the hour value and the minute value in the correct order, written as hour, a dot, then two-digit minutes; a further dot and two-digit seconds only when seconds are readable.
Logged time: 6.59
